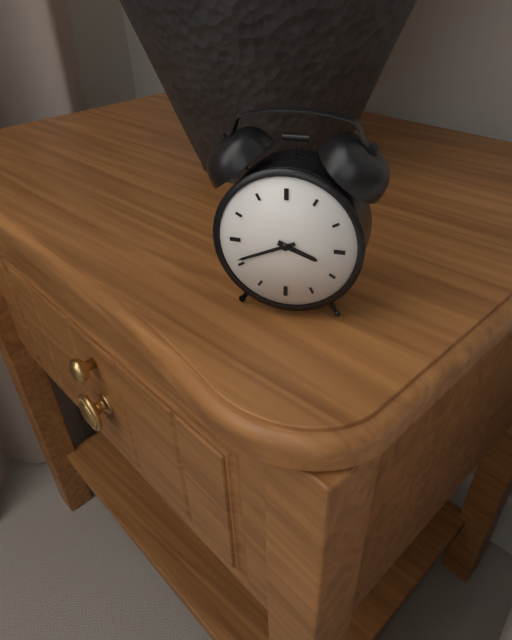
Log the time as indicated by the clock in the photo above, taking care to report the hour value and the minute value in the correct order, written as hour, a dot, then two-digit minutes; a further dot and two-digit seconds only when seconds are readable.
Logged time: 3.41
